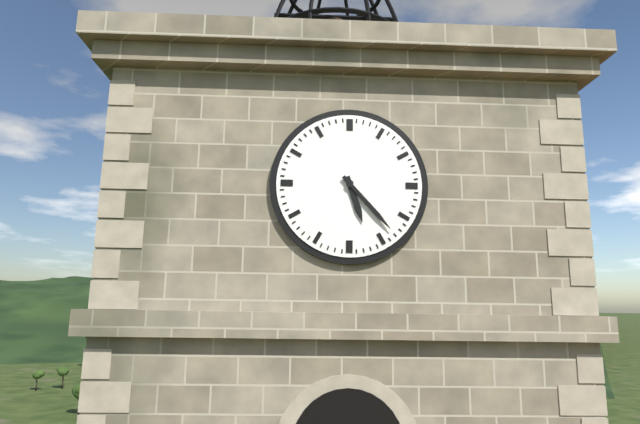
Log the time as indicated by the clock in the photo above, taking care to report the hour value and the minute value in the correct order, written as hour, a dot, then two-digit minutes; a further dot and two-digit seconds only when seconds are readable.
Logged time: 5.23
